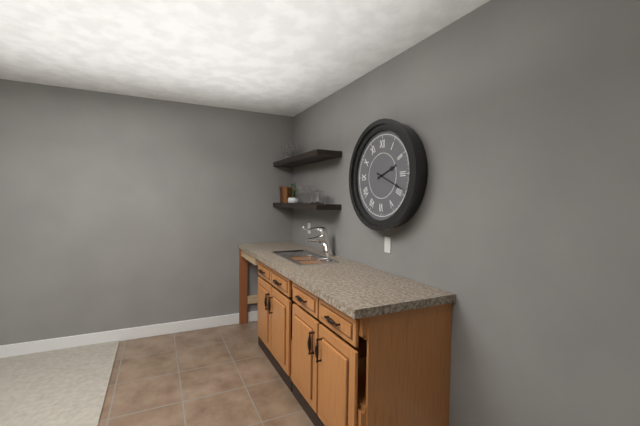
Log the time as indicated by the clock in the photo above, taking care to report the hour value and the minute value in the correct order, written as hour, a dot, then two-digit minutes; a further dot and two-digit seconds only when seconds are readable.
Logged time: 2.19
